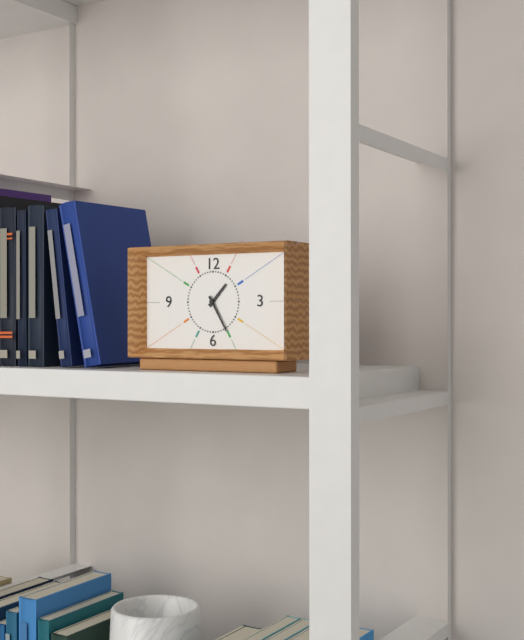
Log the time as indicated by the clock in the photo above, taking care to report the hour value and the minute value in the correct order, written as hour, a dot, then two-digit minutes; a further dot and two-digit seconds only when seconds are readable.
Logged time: 1.25
